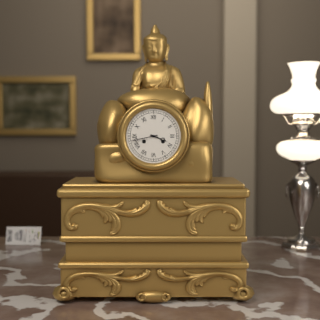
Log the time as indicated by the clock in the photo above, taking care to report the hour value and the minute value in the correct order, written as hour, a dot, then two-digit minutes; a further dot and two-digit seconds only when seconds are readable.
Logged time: 3.43
